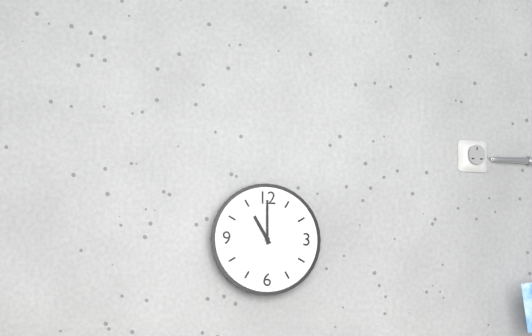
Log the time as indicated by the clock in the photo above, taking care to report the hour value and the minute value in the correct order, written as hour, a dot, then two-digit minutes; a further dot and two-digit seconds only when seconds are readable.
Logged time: 11.00
